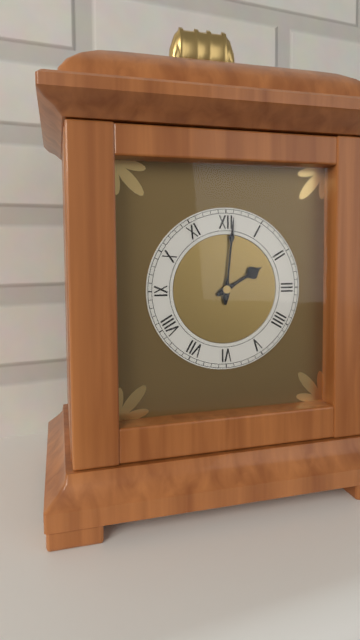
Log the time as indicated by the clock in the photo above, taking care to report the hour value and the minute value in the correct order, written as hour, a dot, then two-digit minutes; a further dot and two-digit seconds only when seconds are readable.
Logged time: 2.01
